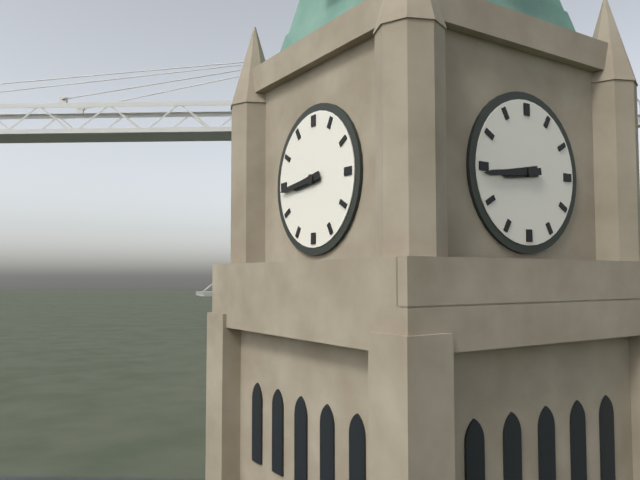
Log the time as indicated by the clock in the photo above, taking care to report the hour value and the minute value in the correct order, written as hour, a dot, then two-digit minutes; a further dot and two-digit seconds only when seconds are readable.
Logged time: 8.44
